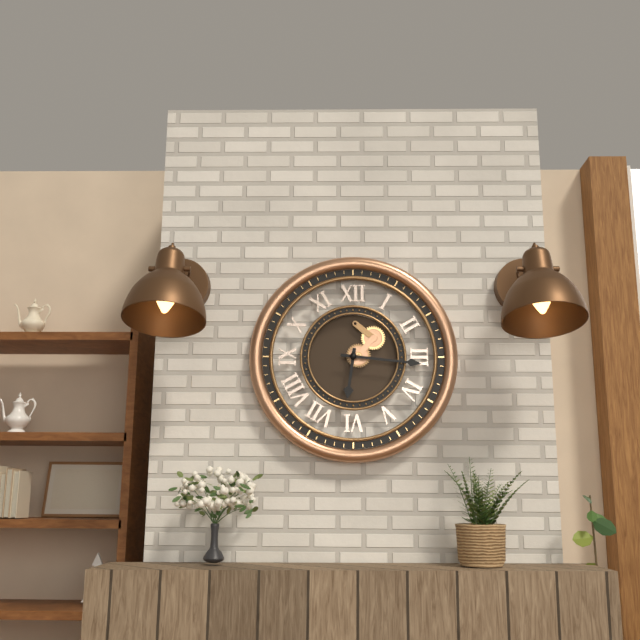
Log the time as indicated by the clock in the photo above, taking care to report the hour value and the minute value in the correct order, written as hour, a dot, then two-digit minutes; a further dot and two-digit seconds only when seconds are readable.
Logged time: 6.16
